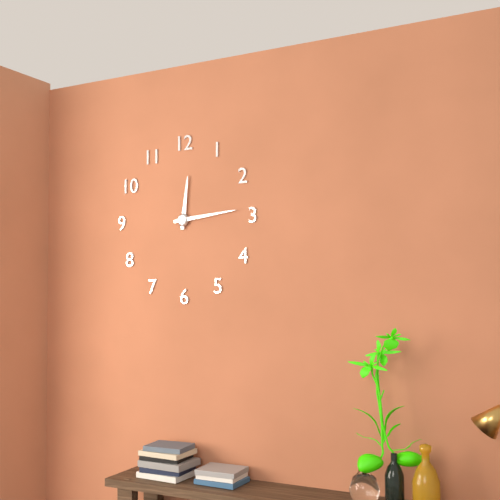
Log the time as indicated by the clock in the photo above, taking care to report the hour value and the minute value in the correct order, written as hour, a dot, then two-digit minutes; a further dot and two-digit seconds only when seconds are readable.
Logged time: 12.14
